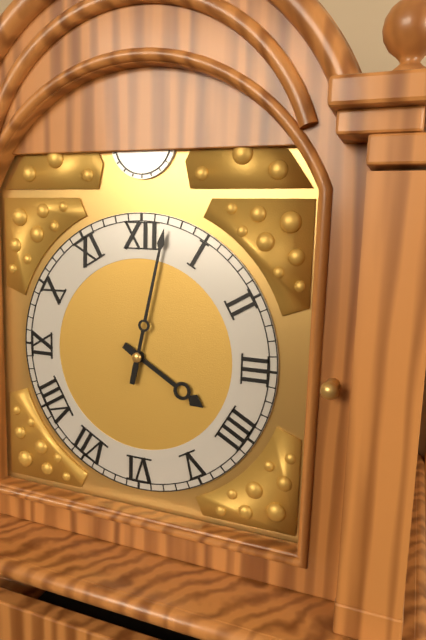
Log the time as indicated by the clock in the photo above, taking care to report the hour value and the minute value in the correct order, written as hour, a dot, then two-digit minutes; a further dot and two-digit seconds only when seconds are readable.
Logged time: 4.02
